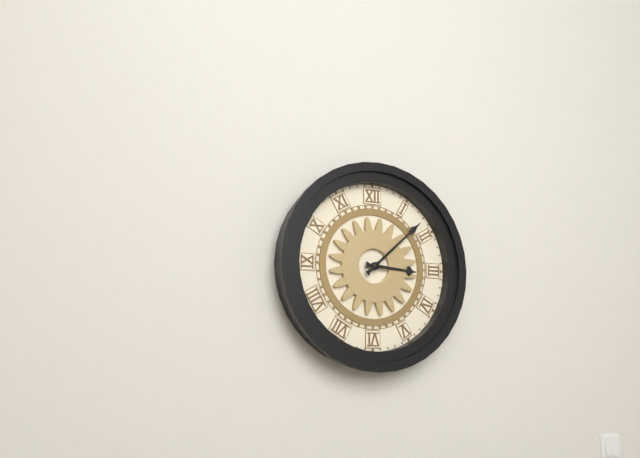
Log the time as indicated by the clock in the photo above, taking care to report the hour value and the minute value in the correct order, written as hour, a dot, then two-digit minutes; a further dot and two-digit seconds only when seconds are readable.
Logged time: 3.08
